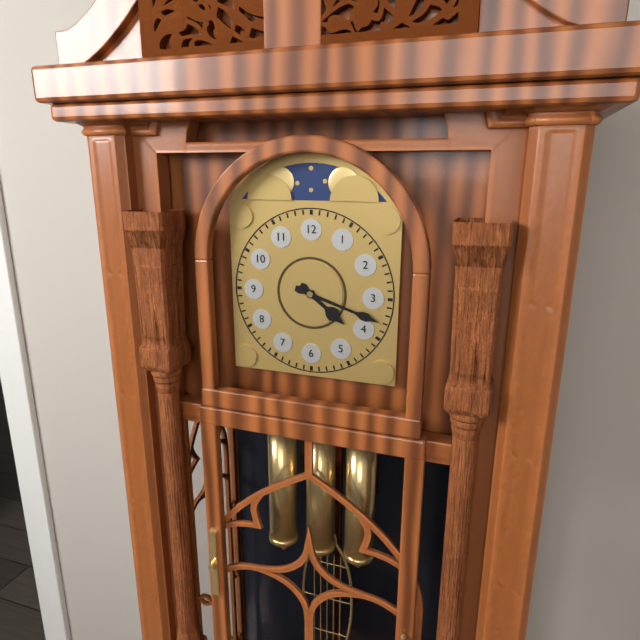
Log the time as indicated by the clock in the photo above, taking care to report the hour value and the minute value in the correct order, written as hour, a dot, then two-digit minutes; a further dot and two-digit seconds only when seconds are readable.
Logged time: 4.18
